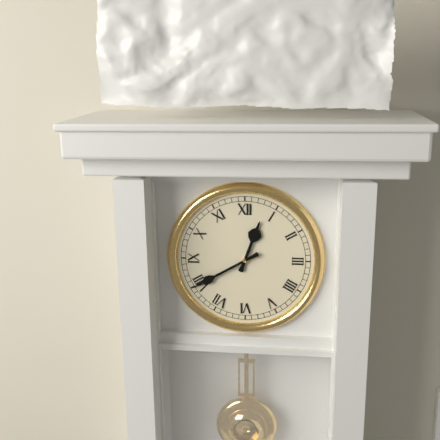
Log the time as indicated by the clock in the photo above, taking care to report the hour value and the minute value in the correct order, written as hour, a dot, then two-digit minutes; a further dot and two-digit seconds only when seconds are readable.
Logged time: 12.40
